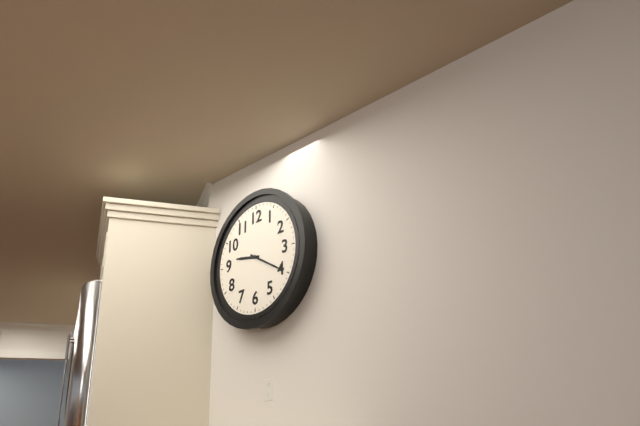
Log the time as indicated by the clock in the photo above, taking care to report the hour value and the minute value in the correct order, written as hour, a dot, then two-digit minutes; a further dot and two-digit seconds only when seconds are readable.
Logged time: 9.20
